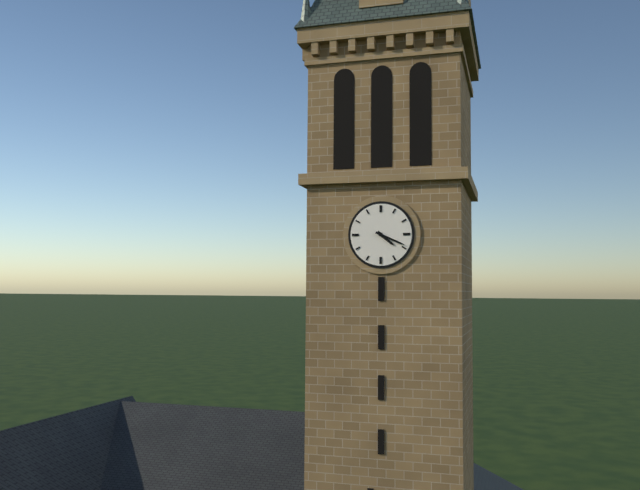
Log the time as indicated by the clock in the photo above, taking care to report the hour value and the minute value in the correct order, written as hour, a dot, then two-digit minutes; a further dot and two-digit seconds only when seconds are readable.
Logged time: 4.19
